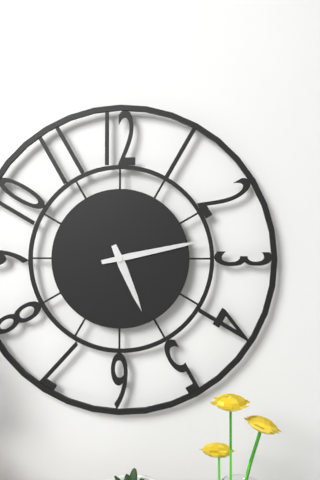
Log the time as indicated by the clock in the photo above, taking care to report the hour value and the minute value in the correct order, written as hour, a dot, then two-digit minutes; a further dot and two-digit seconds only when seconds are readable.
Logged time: 5.13
